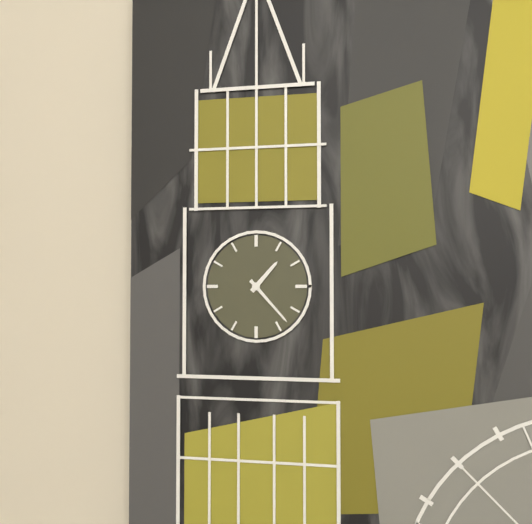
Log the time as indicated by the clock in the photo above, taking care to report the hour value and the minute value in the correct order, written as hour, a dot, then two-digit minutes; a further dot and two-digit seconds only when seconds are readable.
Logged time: 1.23
